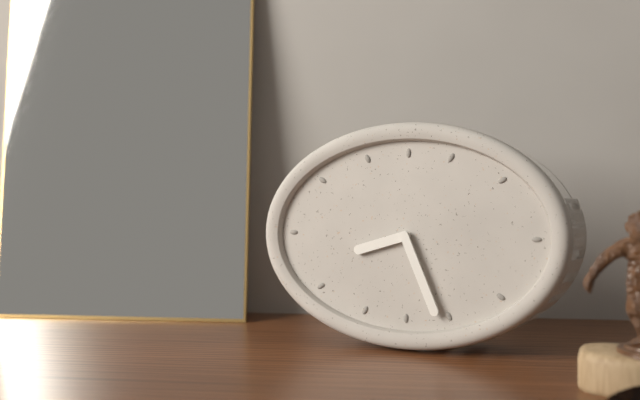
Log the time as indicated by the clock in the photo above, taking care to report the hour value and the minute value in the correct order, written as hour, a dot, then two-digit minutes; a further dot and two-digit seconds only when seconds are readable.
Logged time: 8.26
